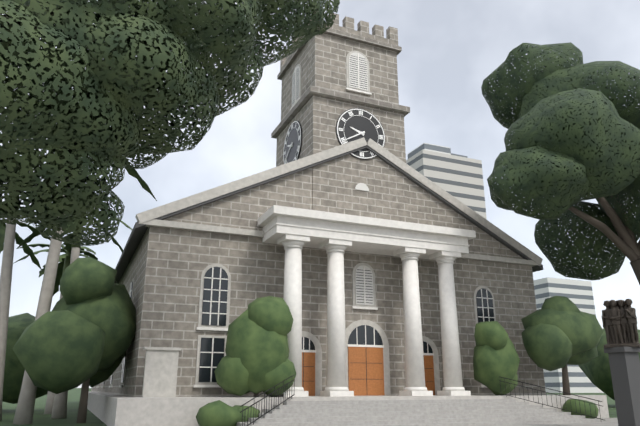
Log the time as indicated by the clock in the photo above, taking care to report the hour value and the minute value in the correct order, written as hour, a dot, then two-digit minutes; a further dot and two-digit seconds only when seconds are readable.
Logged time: 9.40
